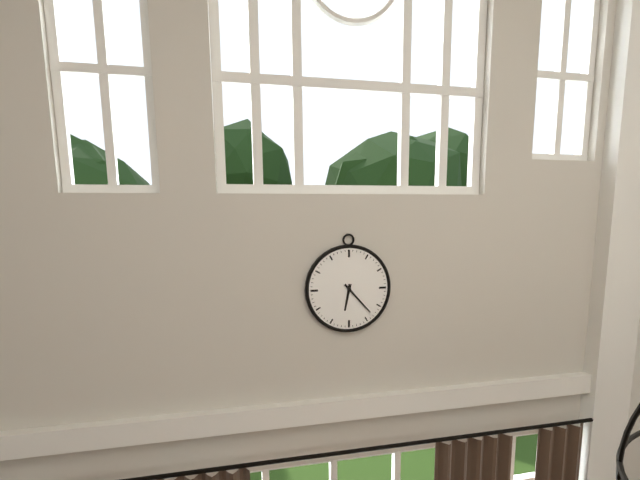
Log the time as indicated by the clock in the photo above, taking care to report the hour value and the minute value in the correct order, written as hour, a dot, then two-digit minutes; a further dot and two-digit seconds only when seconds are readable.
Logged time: 6.23
